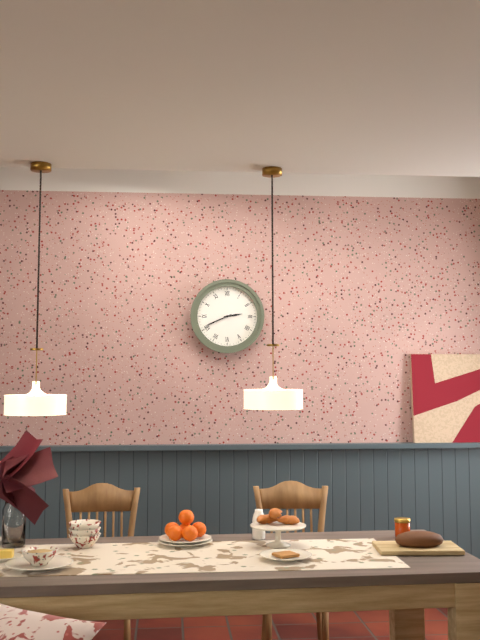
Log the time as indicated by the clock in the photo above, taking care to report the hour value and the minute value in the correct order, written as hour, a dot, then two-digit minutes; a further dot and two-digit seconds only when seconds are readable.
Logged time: 2.41
